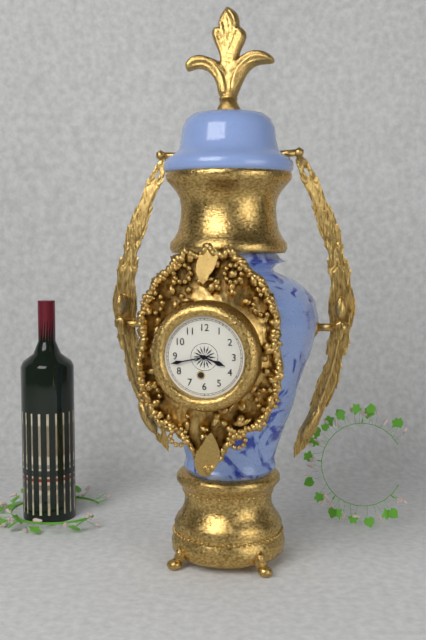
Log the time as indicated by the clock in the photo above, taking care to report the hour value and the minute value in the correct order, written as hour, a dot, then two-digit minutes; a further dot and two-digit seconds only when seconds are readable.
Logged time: 3.43
